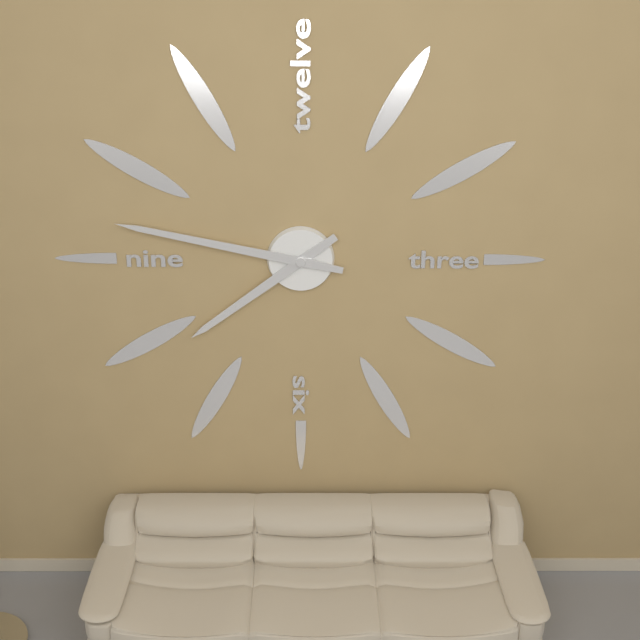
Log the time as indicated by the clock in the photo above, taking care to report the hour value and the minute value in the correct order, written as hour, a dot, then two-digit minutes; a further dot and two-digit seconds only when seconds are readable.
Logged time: 7.47
